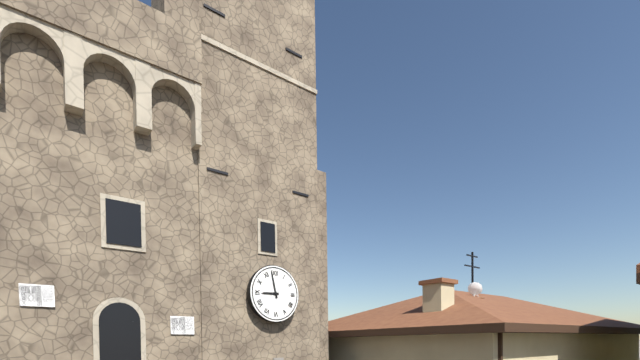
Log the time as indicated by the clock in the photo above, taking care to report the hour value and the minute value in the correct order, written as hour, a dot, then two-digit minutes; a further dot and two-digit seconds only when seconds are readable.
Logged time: 8.58
